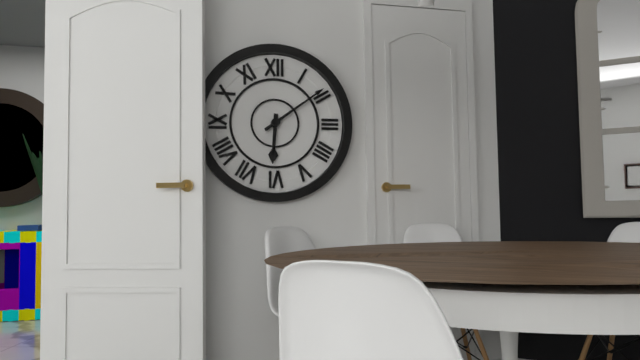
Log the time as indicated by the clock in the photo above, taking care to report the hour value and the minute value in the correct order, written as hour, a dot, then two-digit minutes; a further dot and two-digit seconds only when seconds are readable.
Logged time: 6.09
